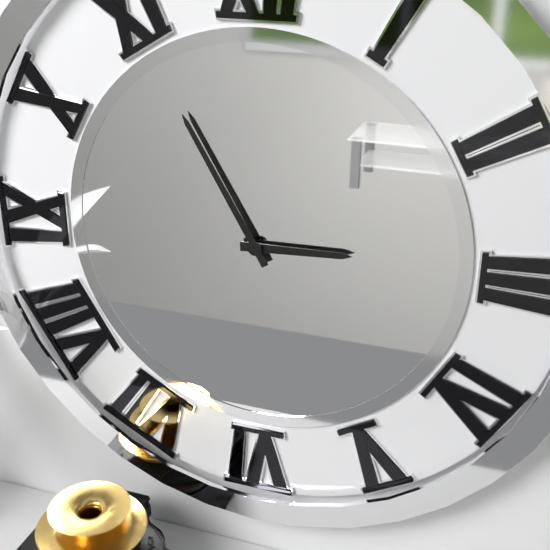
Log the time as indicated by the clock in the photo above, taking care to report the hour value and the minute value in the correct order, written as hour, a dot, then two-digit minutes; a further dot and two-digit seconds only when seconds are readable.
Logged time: 2.55
